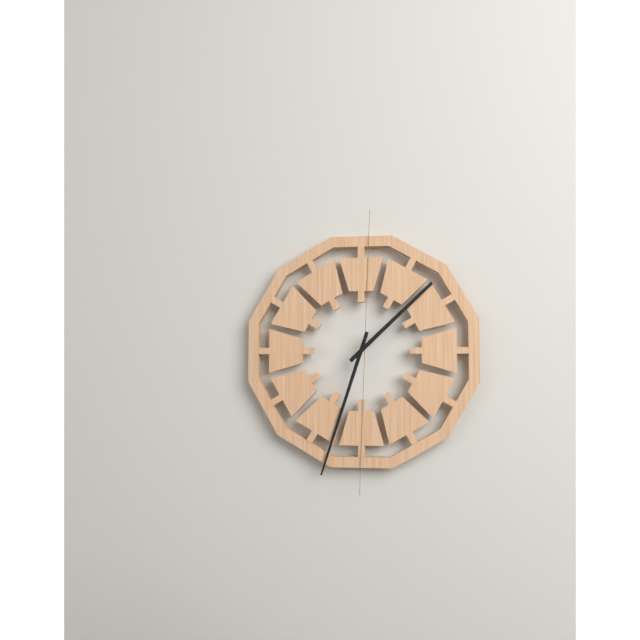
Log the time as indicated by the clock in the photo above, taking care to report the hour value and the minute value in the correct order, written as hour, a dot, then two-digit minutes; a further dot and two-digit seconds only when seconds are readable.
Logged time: 1.33
